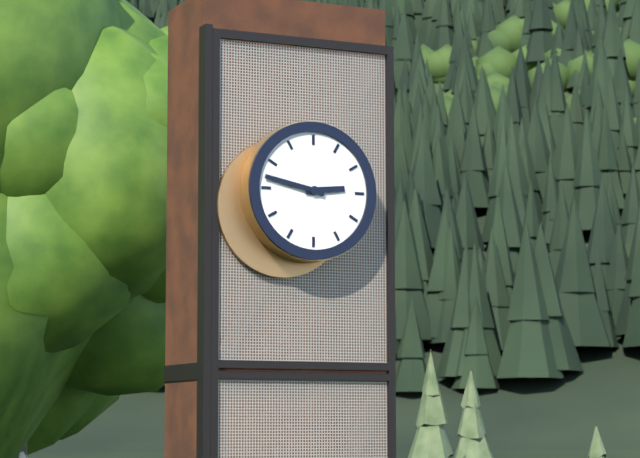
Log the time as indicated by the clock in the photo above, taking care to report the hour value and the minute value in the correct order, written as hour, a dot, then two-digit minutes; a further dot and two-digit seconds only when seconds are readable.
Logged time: 2.47
